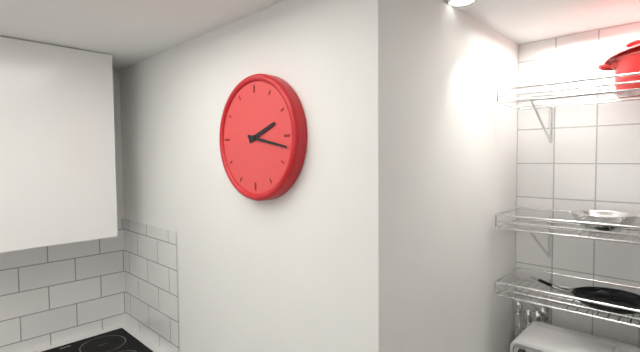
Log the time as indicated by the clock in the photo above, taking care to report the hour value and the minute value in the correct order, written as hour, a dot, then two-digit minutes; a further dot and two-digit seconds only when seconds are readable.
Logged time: 2.17
